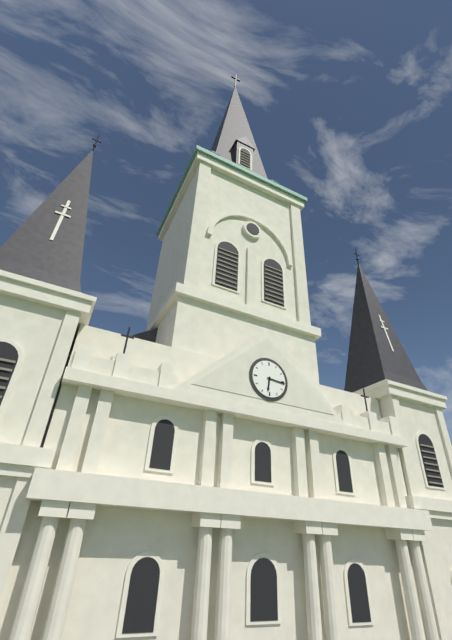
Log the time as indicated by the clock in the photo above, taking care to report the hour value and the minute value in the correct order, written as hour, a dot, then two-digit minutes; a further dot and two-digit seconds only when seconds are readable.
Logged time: 6.16
